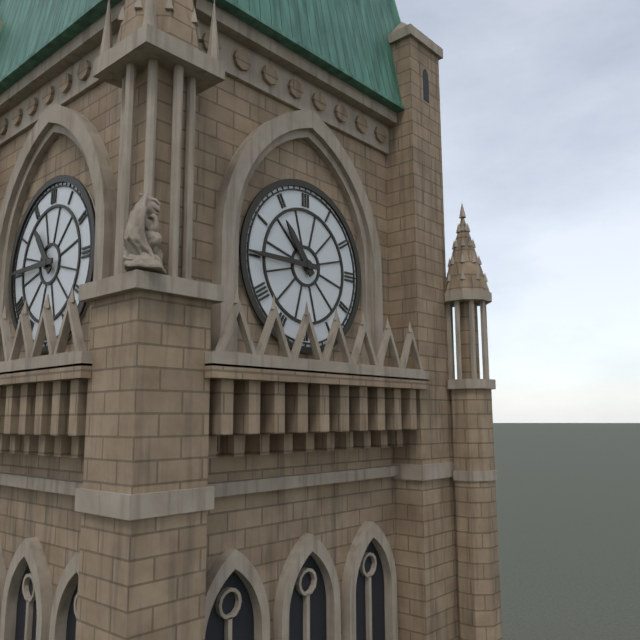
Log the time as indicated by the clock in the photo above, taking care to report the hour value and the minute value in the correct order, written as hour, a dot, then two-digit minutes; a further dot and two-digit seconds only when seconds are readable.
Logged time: 10.45
